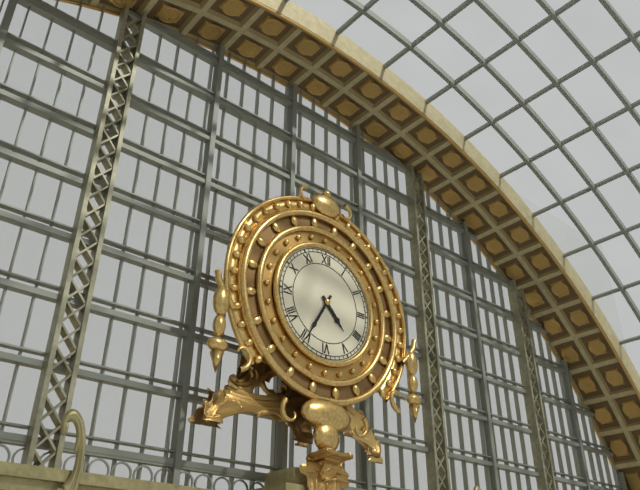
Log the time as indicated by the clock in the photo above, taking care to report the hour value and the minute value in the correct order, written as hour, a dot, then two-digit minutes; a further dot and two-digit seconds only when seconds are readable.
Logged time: 4.35
